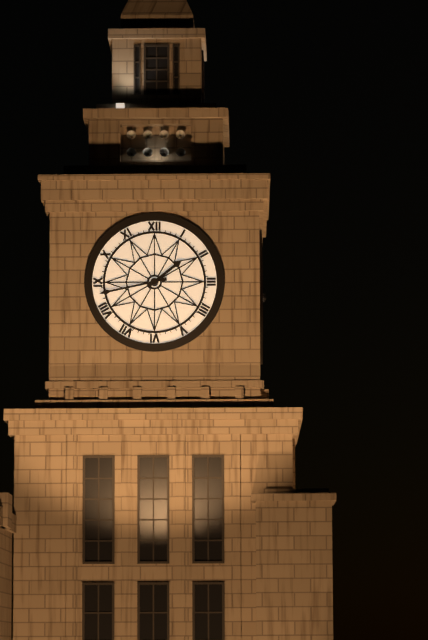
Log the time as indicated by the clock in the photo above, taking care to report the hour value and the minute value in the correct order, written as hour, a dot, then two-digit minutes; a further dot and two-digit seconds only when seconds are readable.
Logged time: 1.43
